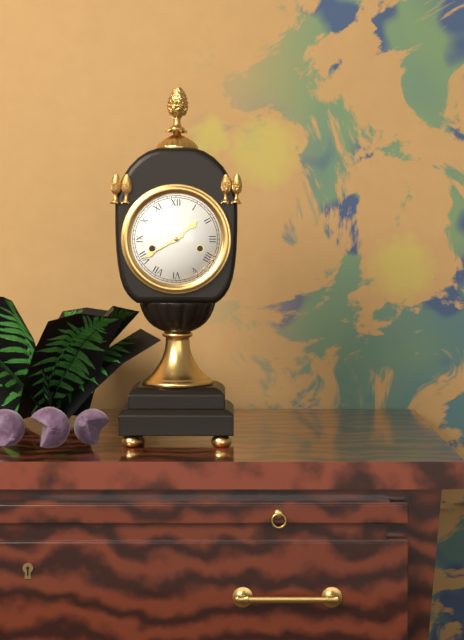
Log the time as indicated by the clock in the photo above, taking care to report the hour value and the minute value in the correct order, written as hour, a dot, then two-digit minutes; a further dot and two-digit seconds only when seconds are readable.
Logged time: 1.40
